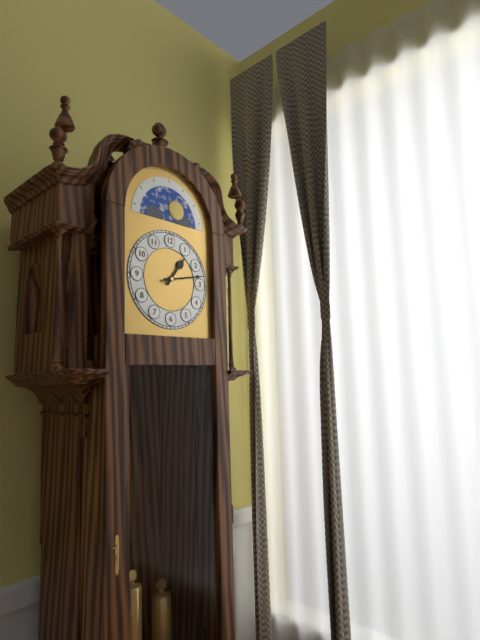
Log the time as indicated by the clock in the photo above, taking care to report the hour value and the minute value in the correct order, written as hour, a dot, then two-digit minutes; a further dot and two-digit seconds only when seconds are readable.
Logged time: 1.13
